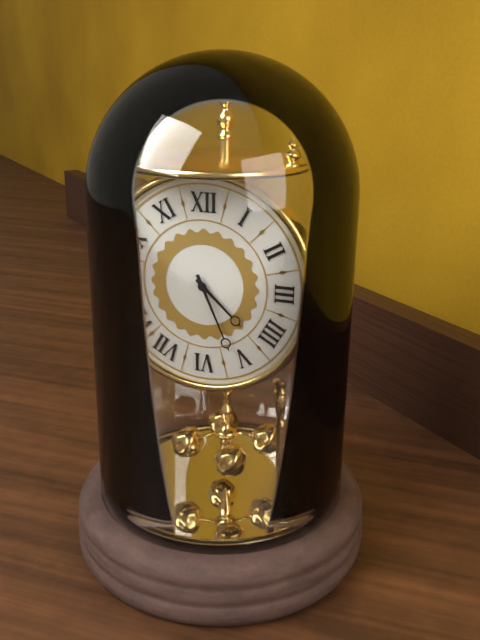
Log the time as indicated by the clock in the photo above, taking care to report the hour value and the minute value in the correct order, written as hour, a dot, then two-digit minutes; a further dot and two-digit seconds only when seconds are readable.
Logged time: 4.26
